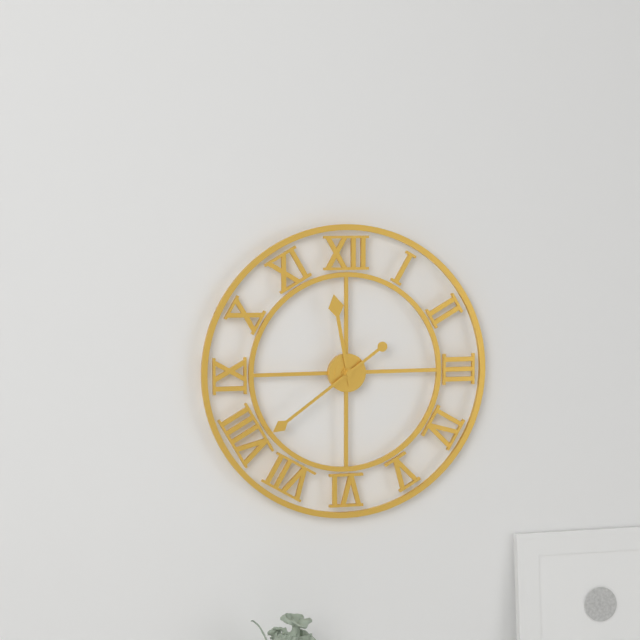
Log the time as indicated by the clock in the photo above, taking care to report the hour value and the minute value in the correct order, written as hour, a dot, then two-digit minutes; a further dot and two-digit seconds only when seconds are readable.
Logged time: 11.39
